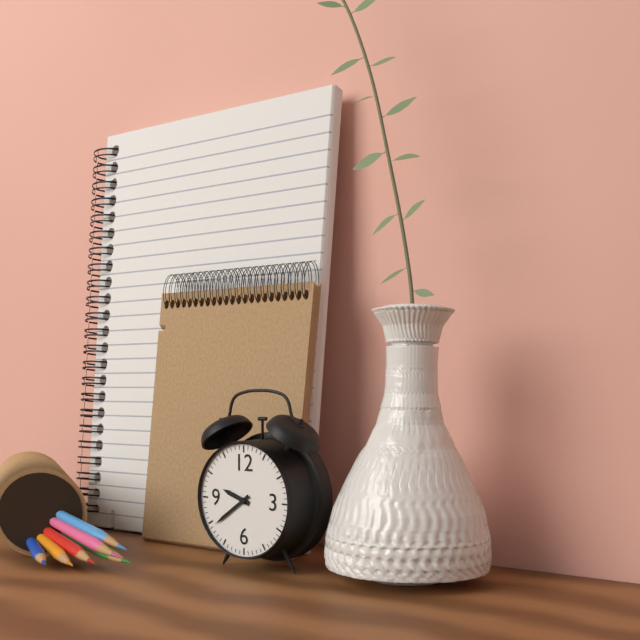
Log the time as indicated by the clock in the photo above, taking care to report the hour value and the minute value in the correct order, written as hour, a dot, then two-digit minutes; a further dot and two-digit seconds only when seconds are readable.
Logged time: 9.39
